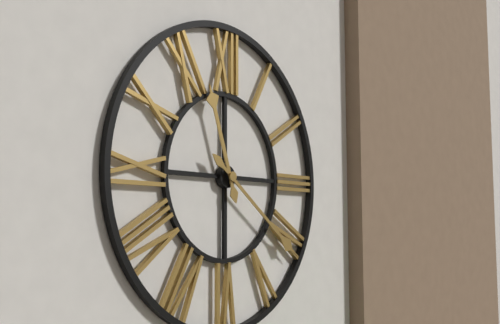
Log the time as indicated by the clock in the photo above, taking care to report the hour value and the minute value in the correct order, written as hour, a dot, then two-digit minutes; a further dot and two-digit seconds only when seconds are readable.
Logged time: 11.21
